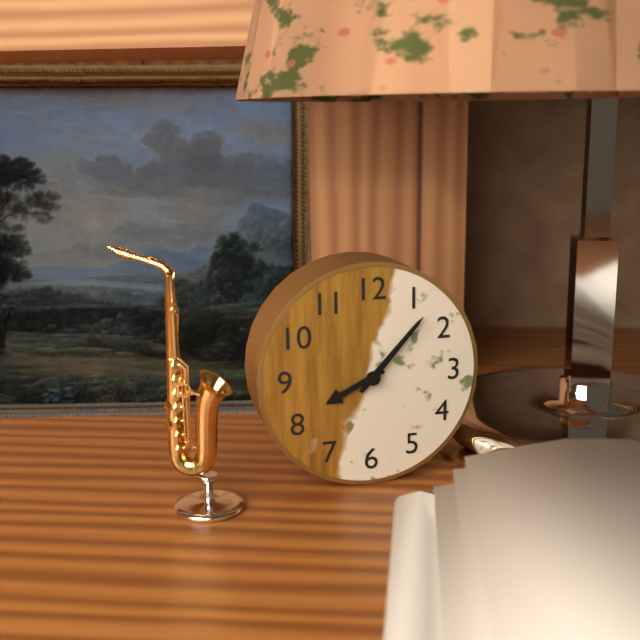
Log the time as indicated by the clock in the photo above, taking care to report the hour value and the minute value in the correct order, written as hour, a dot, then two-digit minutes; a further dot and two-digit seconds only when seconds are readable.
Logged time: 8.07
